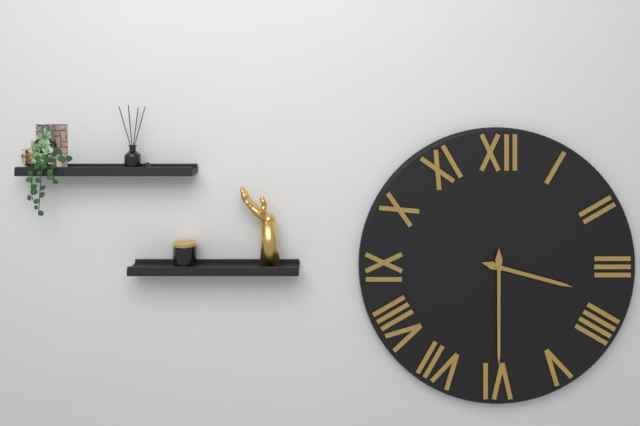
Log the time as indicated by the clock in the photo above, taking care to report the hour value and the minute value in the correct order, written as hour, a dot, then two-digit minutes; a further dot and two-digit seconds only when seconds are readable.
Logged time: 3.30
